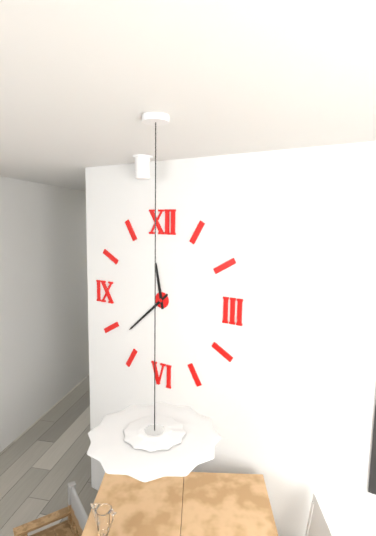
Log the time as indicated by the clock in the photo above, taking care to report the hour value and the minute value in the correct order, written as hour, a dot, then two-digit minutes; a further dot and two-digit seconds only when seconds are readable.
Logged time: 11.38
